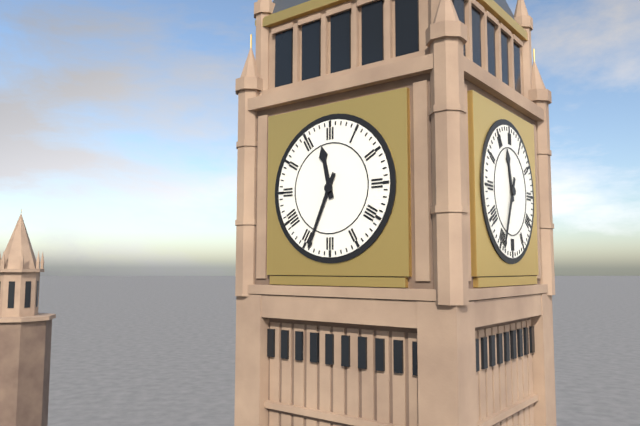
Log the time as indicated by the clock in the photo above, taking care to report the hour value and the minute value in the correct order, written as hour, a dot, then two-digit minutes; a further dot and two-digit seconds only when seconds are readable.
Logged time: 11.34
